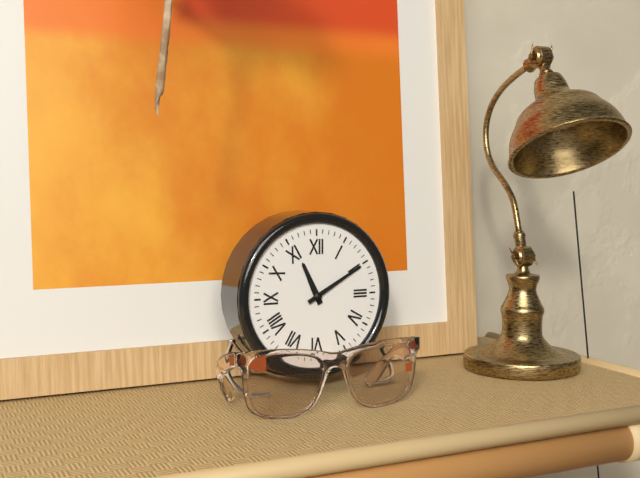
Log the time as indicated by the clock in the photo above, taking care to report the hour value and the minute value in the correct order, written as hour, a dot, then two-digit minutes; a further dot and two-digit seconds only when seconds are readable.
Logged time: 11.10
